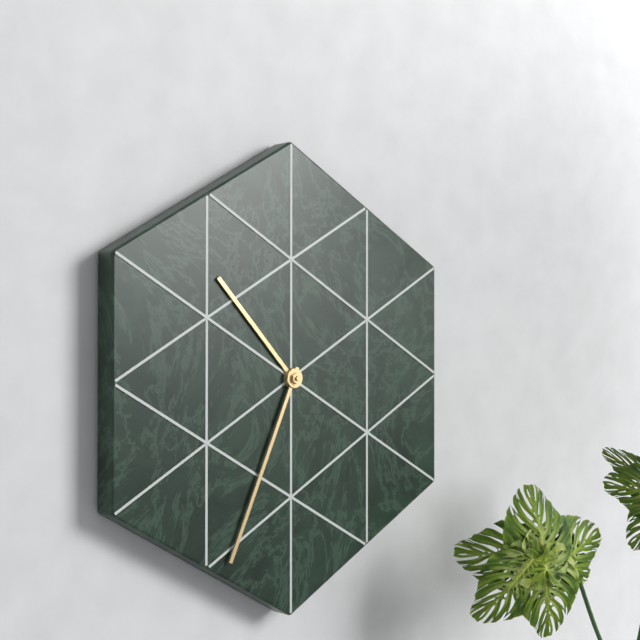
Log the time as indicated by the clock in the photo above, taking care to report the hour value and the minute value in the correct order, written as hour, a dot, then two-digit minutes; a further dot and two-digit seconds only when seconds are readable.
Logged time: 10.34
